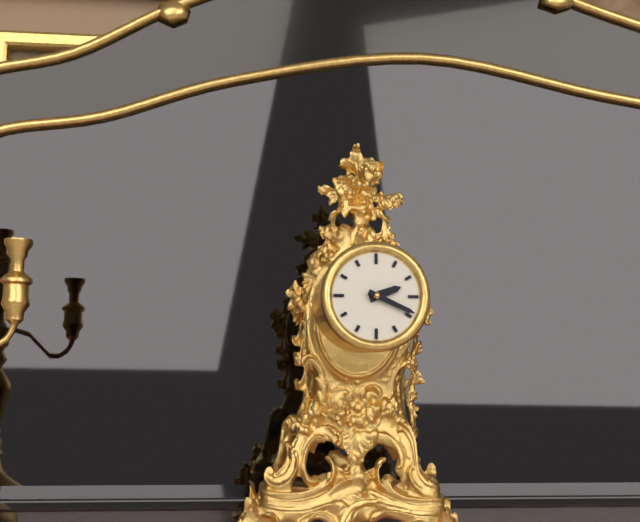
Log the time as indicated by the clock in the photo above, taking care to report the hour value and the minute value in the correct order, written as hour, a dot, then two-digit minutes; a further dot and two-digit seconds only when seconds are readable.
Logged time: 2.19
